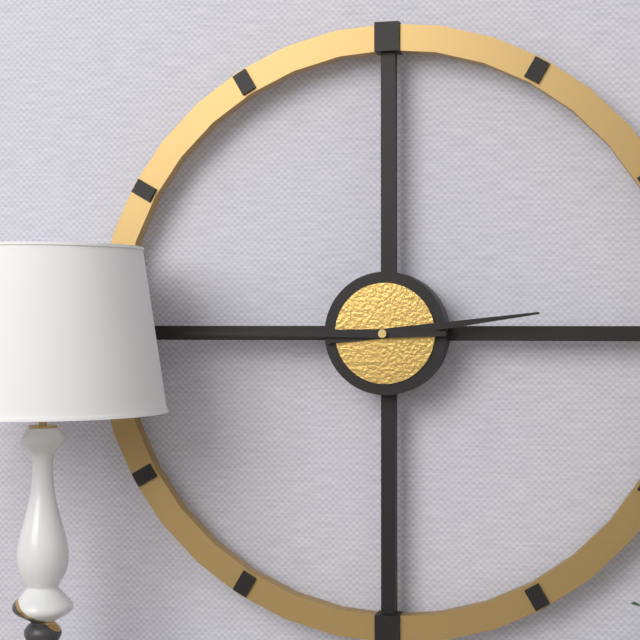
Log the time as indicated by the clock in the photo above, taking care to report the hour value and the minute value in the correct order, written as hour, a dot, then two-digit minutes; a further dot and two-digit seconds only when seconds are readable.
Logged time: 2.45
